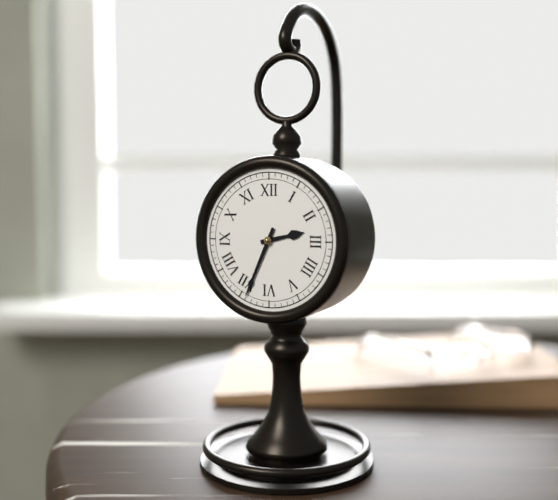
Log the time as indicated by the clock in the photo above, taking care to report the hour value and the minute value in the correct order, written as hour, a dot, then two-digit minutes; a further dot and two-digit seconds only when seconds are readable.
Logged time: 2.34
